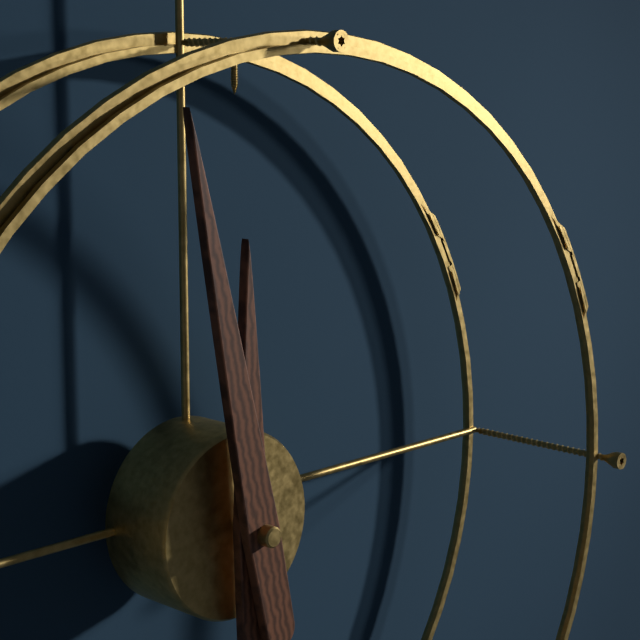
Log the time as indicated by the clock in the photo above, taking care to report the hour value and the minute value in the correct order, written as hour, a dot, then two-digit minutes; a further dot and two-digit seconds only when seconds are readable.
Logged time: 11.58
